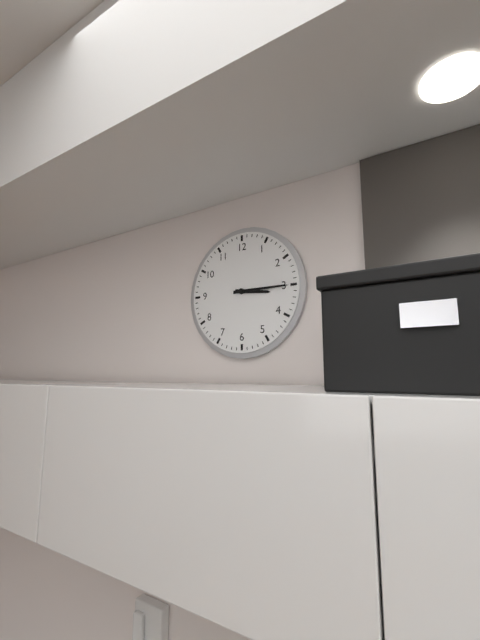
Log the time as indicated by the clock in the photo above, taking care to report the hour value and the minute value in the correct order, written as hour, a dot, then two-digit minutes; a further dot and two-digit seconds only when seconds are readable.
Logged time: 3.15
